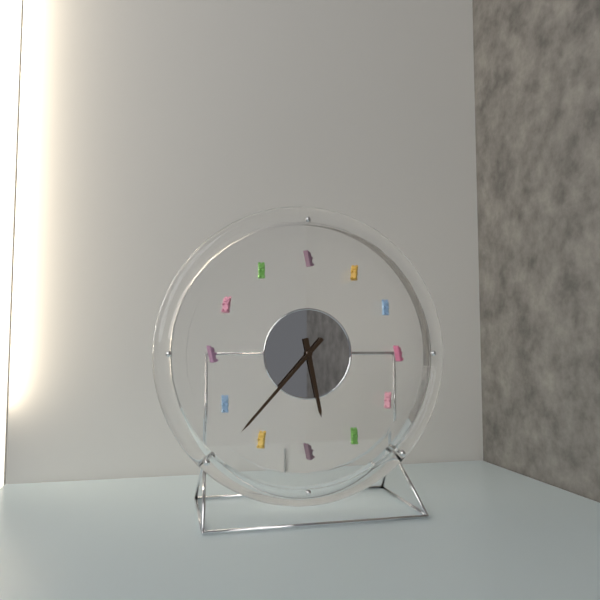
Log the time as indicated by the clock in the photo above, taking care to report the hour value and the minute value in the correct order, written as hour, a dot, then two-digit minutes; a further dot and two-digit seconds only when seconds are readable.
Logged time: 5.37
